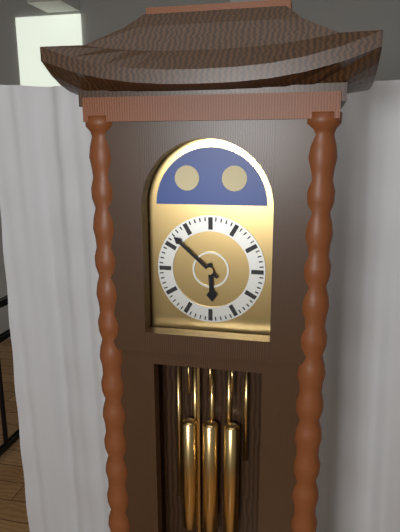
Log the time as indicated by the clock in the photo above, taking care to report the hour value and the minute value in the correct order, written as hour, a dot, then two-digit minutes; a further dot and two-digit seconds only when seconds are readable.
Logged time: 5.52
